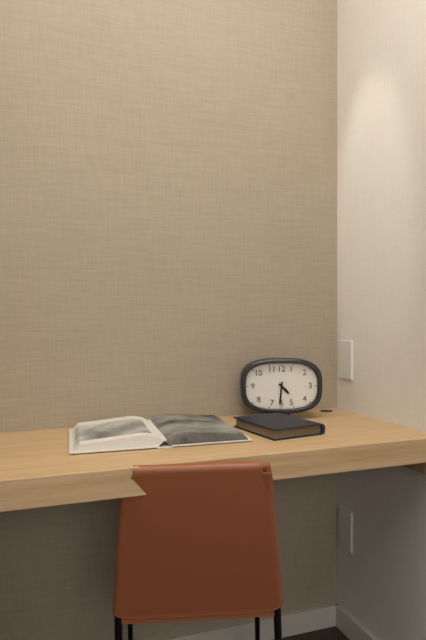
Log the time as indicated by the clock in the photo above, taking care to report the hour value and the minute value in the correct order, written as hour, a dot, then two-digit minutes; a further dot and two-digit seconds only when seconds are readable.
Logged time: 4.31
